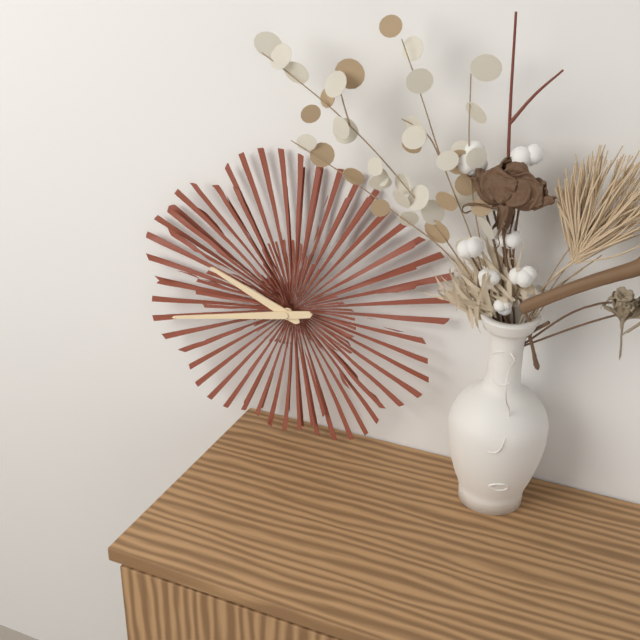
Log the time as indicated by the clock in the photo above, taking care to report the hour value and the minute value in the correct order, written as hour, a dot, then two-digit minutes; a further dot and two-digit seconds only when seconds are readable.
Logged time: 9.43
